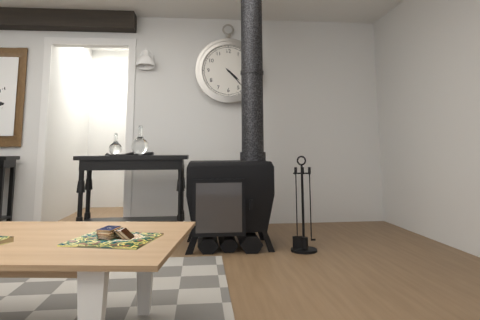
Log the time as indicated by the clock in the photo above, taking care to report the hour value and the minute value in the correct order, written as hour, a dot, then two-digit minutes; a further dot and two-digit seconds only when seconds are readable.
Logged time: 4.23
